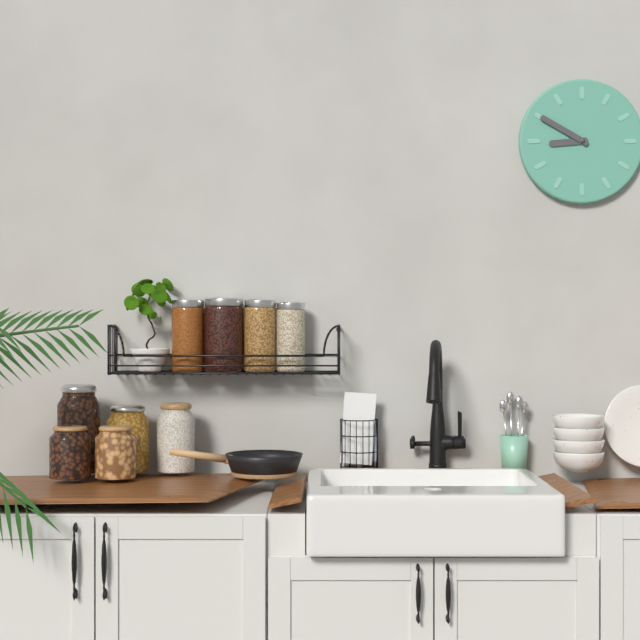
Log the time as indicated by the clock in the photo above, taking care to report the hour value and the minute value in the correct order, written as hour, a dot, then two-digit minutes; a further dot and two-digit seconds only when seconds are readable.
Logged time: 8.50
